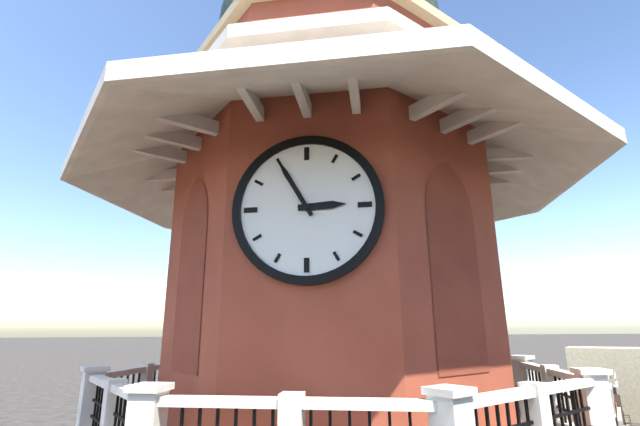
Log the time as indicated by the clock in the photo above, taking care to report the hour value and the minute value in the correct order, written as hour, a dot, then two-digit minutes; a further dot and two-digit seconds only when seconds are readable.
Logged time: 2.55
